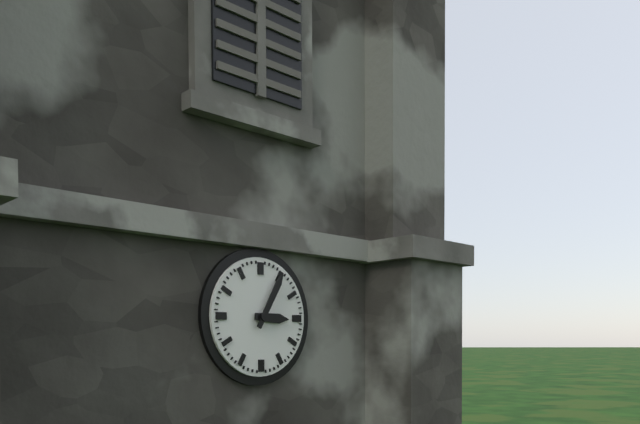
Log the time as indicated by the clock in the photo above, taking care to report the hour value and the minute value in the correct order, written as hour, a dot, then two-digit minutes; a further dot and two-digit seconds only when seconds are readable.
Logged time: 3.05
